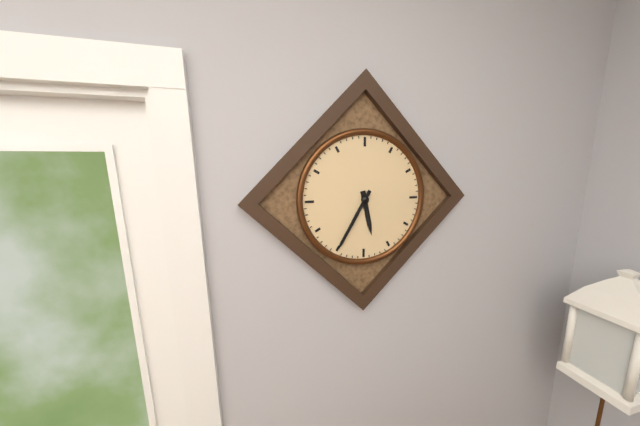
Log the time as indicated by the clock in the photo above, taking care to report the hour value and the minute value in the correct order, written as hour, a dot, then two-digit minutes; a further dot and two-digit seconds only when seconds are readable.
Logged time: 5.35
